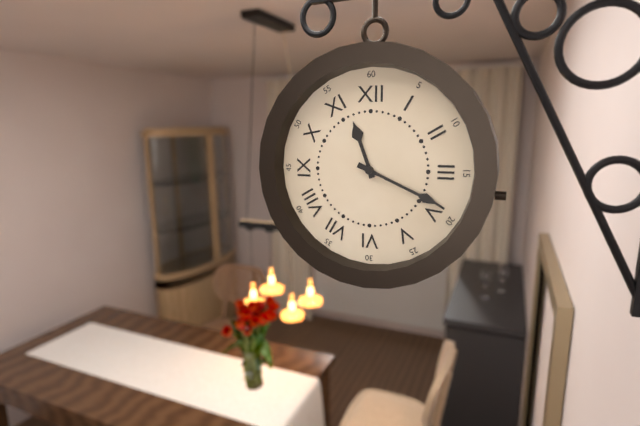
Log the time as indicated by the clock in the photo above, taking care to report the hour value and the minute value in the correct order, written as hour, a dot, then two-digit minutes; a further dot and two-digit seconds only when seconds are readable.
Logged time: 11.19
